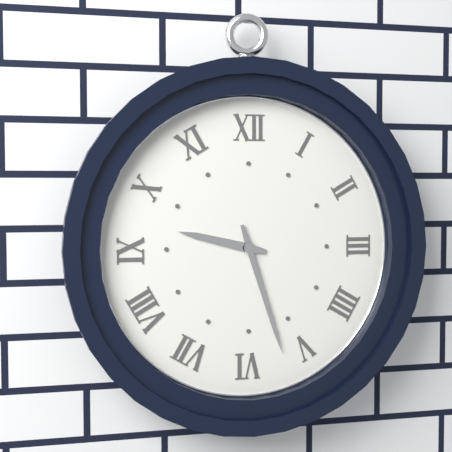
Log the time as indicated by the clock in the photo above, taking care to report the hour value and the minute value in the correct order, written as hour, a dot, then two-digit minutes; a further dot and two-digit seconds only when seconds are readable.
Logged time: 9.27
